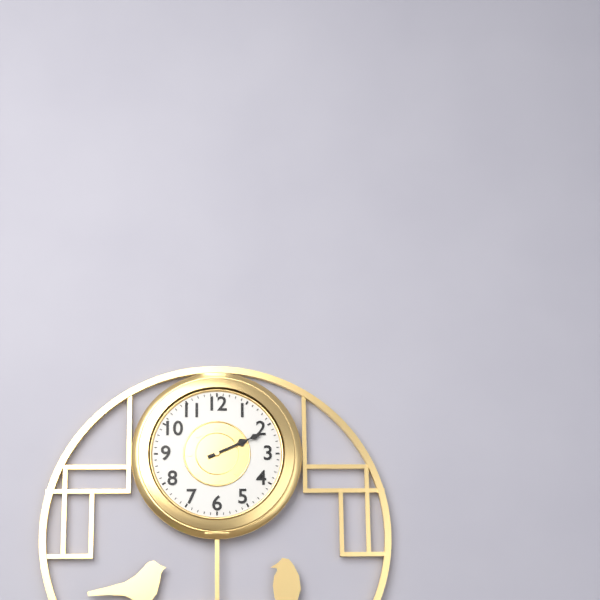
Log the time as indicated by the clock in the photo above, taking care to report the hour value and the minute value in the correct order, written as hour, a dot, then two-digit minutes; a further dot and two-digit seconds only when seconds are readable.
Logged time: 2.11
